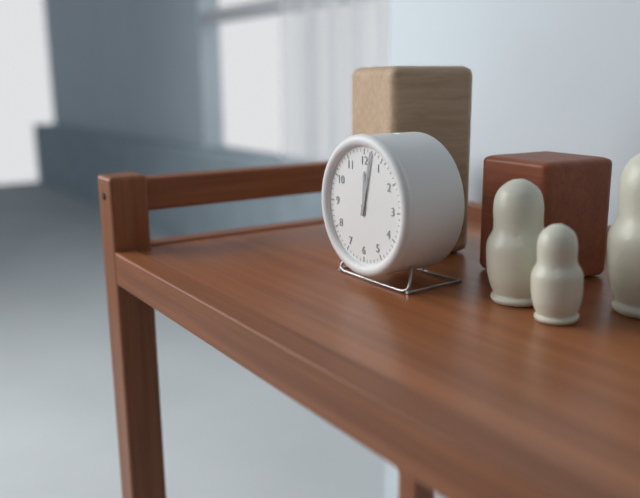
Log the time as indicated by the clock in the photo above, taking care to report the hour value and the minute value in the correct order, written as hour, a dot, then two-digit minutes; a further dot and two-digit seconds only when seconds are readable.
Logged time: 12.02
